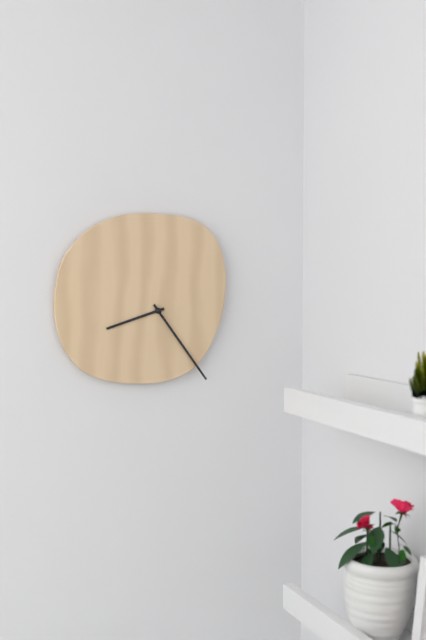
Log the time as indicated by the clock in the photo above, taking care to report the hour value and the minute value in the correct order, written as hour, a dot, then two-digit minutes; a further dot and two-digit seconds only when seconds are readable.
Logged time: 8.24
